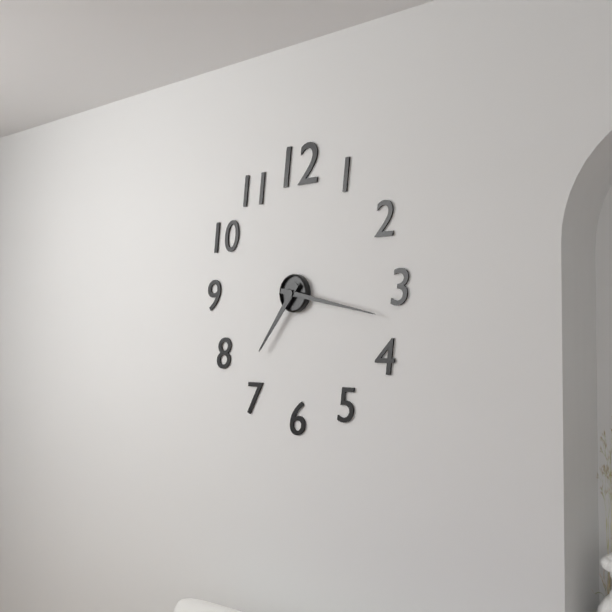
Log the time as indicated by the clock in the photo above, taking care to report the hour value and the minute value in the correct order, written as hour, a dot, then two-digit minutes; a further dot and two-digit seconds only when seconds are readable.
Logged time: 7.17
